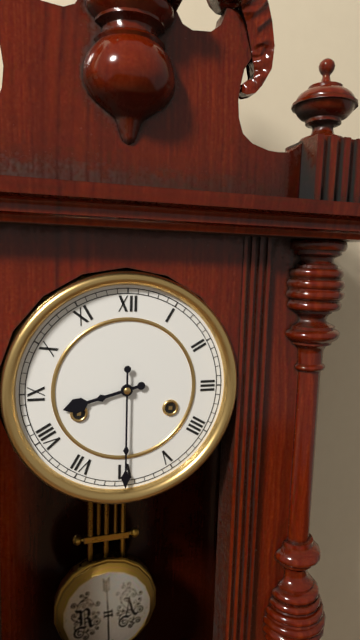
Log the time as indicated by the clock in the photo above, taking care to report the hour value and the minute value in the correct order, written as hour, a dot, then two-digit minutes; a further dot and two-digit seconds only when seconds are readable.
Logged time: 8.30
